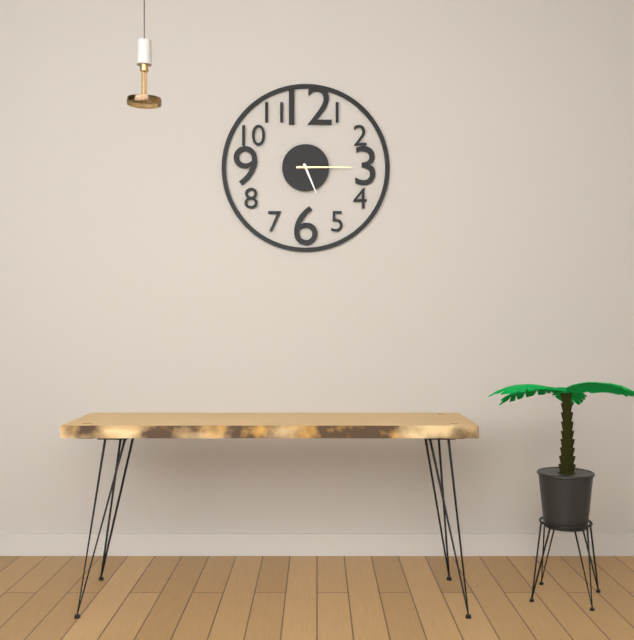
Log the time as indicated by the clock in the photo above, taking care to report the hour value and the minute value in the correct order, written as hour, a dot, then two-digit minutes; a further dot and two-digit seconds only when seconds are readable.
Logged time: 5.15
